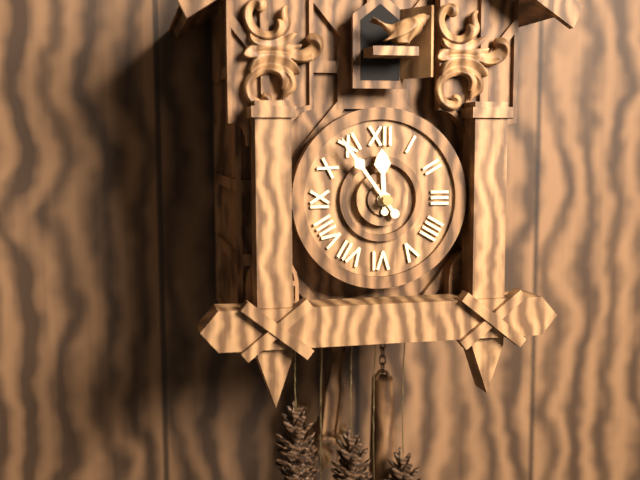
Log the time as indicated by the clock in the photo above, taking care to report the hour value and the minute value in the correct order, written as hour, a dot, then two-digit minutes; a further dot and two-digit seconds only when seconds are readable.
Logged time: 11.54
